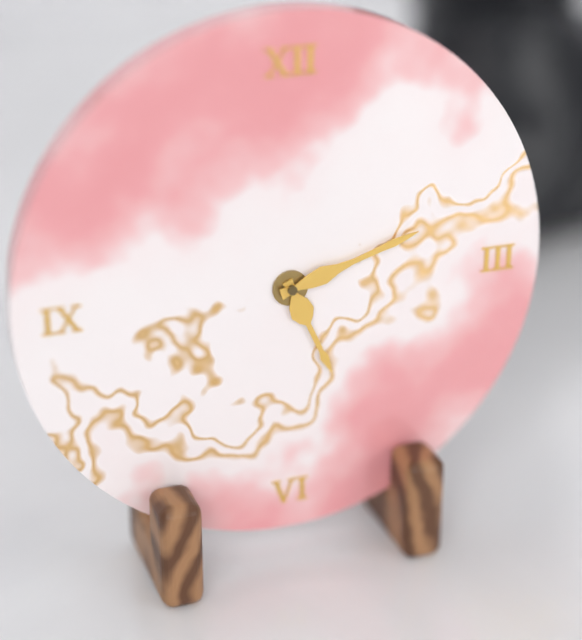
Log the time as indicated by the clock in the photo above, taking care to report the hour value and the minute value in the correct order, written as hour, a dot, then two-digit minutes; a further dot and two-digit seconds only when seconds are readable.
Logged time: 5.12
